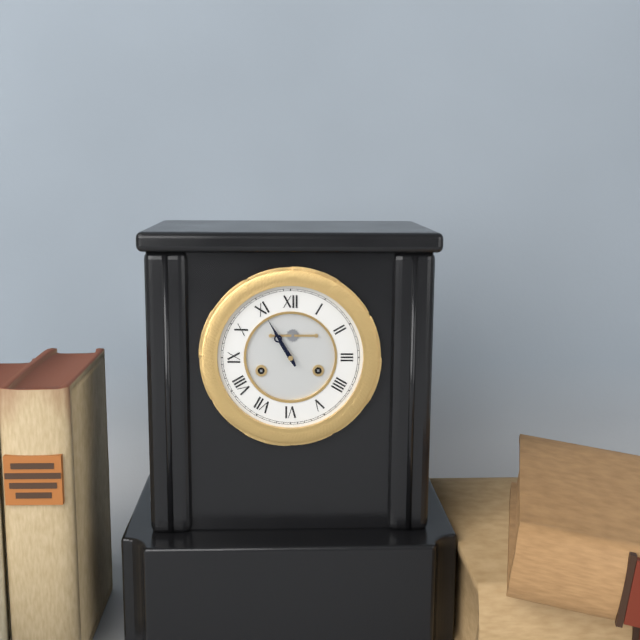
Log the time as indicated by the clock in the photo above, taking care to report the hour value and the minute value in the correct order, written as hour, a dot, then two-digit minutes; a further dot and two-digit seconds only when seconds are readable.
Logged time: 10.55
